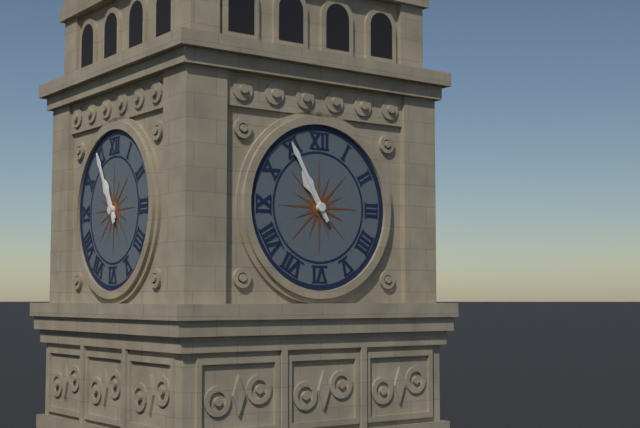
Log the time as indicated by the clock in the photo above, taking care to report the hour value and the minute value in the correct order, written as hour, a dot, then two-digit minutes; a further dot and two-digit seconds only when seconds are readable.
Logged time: 10.55
